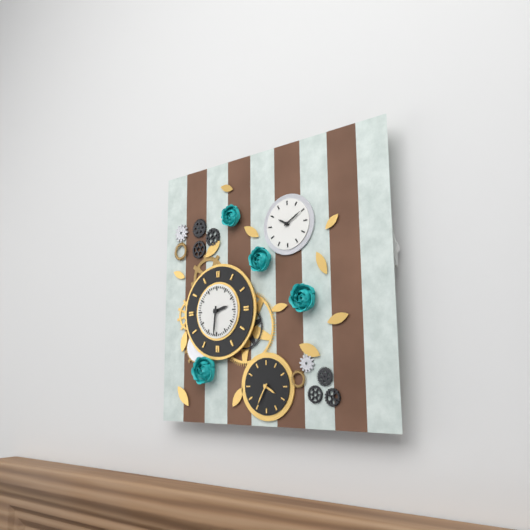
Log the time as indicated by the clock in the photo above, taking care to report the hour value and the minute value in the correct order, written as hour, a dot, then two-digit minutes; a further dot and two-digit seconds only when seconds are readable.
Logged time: 2.31
